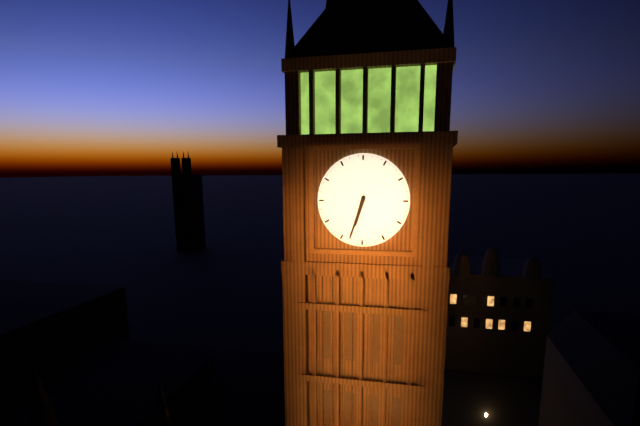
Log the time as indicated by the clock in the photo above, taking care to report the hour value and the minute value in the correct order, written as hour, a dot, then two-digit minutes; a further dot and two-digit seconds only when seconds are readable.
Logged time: 6.33
